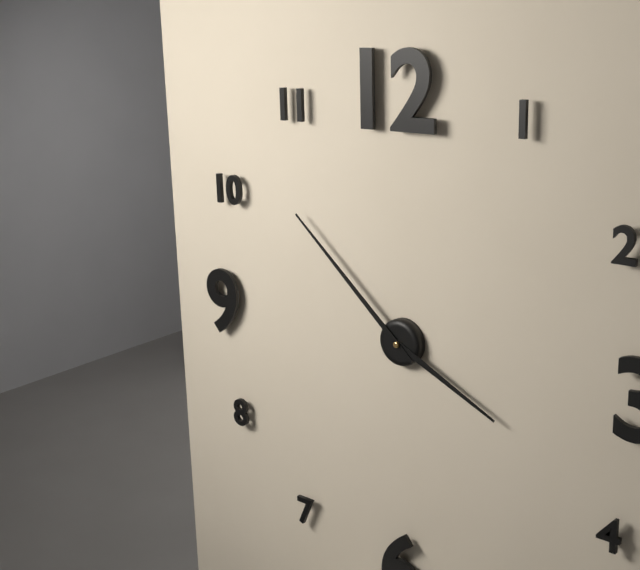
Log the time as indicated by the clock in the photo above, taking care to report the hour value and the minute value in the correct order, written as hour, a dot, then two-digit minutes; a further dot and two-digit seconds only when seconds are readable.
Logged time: 3.52
